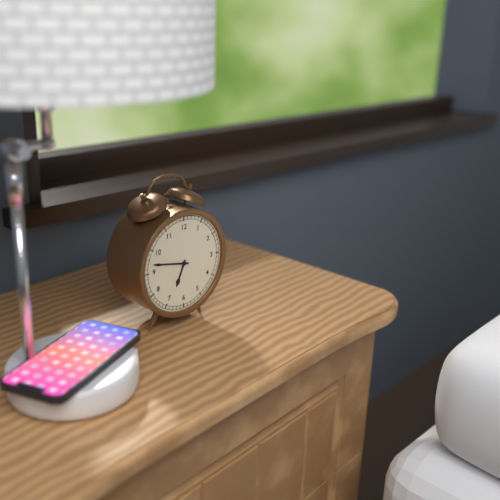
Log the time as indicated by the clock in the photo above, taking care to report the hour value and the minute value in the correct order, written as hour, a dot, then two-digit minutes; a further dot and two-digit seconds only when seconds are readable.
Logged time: 6.47
